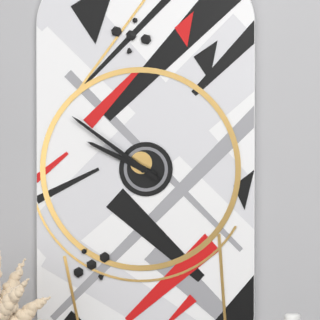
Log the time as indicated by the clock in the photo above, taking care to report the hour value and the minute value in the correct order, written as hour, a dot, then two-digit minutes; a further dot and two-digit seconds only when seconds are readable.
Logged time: 9.51
